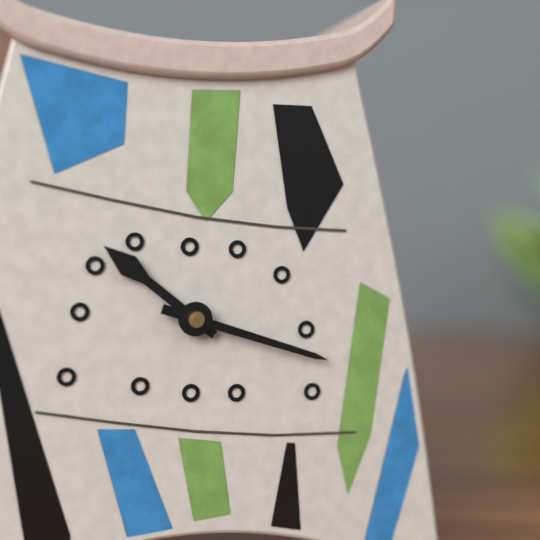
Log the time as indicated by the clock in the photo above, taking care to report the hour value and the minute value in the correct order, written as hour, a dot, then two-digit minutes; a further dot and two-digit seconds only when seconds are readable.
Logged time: 10.18
